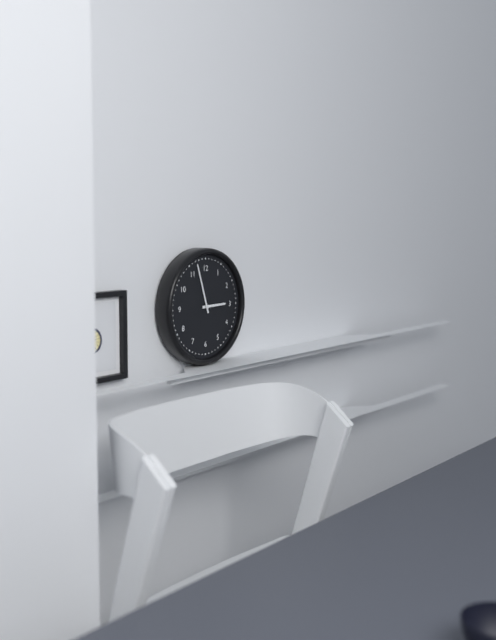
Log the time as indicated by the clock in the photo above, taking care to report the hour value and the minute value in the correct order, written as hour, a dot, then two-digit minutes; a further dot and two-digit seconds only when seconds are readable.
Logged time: 2.57
